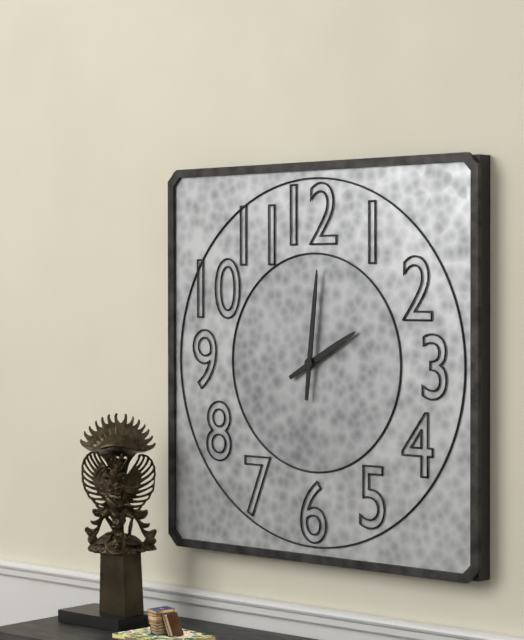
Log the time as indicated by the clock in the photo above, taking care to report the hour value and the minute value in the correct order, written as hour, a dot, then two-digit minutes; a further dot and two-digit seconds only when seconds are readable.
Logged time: 2.01
